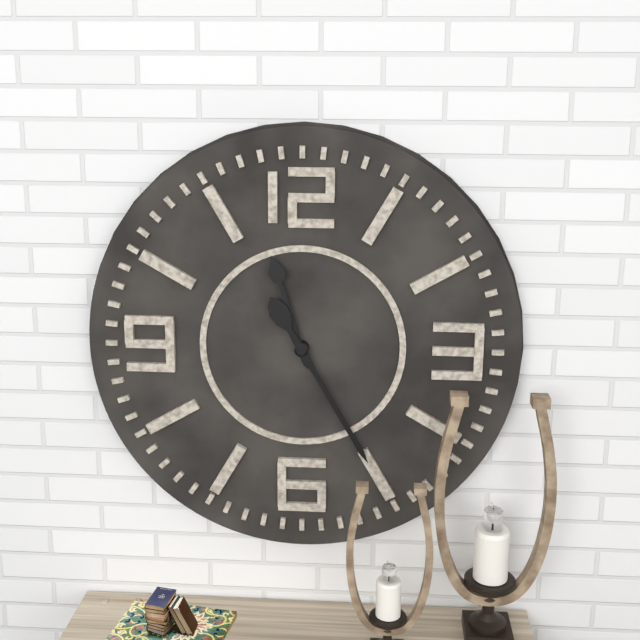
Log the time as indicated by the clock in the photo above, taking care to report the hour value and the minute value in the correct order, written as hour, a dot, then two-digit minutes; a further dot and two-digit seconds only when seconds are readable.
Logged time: 11.25
